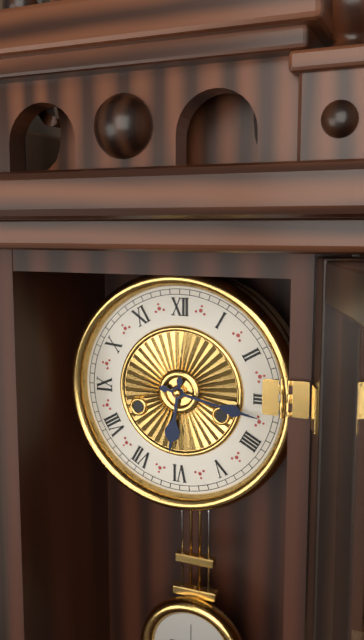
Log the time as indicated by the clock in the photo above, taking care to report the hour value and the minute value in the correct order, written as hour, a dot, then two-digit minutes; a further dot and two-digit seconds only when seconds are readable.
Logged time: 6.17
